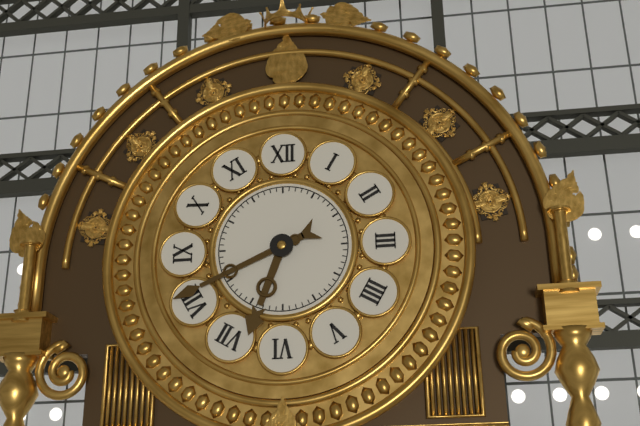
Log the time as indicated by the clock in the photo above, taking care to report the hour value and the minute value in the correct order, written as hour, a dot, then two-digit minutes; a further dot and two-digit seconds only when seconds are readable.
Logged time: 6.41
